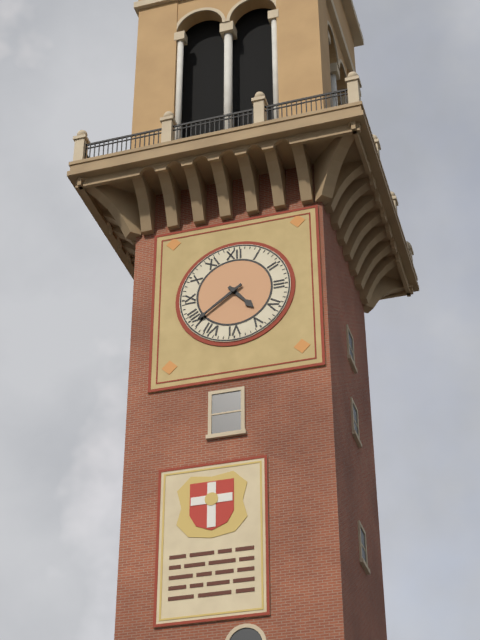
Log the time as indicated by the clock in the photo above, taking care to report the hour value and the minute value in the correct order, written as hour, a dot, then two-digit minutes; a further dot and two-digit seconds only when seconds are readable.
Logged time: 4.39
